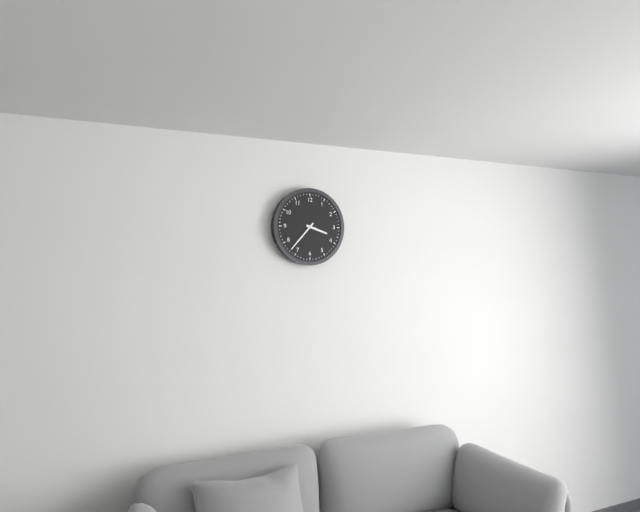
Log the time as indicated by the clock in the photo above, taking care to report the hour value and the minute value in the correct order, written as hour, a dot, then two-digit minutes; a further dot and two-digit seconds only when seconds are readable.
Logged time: 3.37
